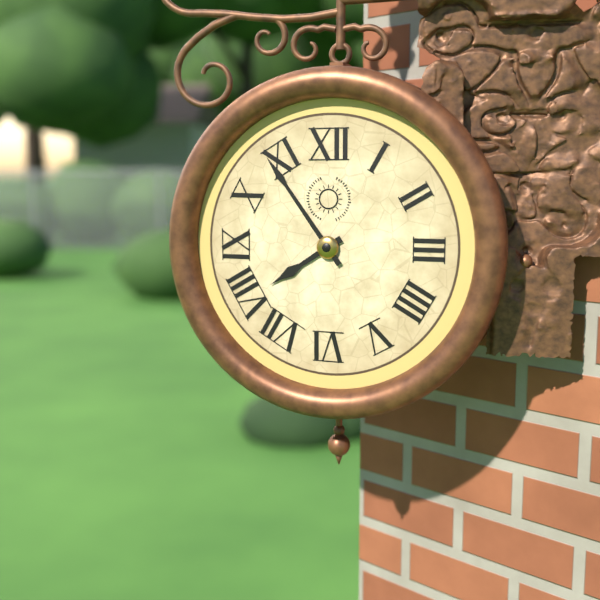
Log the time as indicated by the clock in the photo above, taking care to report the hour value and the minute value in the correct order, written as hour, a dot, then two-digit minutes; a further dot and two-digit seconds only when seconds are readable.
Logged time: 7.54
